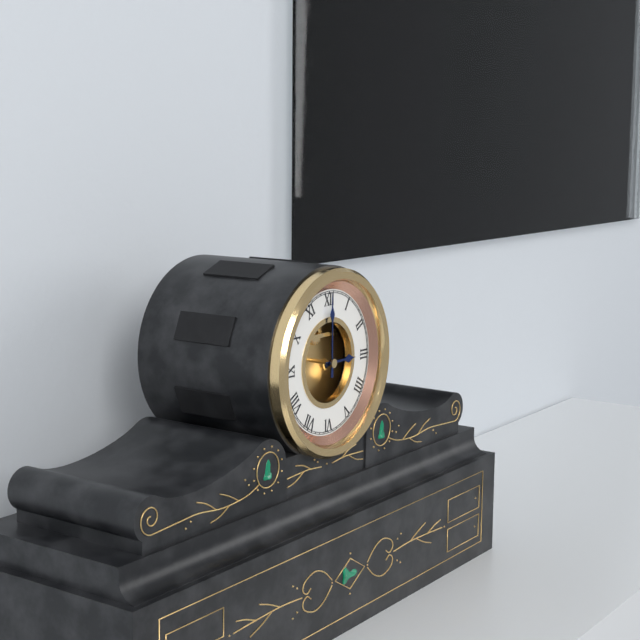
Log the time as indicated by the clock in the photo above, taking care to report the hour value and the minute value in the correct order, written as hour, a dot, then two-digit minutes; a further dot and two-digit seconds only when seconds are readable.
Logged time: 3.00
